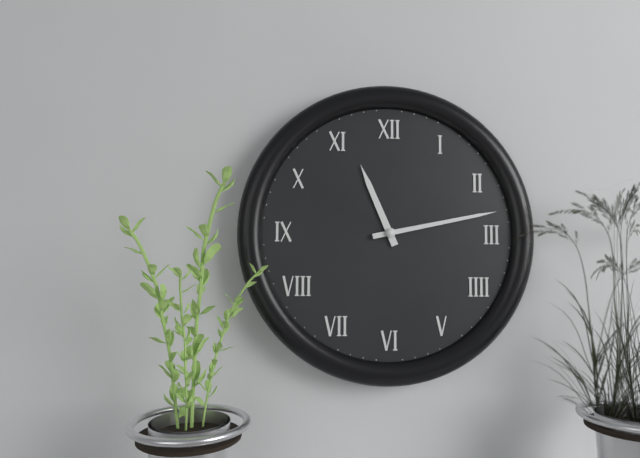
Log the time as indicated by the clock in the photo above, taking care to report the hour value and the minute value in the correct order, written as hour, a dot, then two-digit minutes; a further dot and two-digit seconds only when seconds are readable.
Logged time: 11.13
